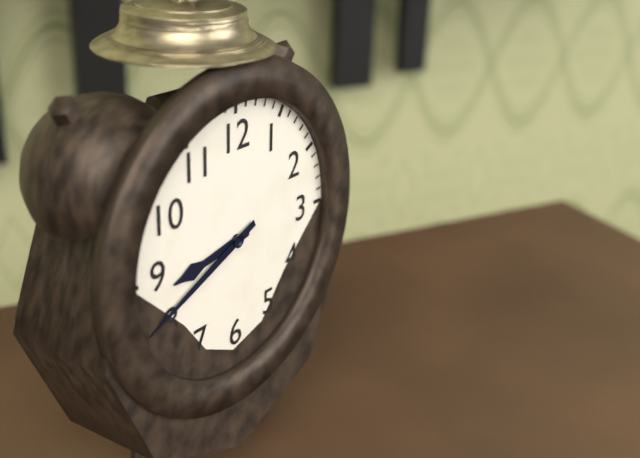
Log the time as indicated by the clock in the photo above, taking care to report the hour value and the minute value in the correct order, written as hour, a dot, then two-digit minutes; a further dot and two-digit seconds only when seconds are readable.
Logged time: 8.41
